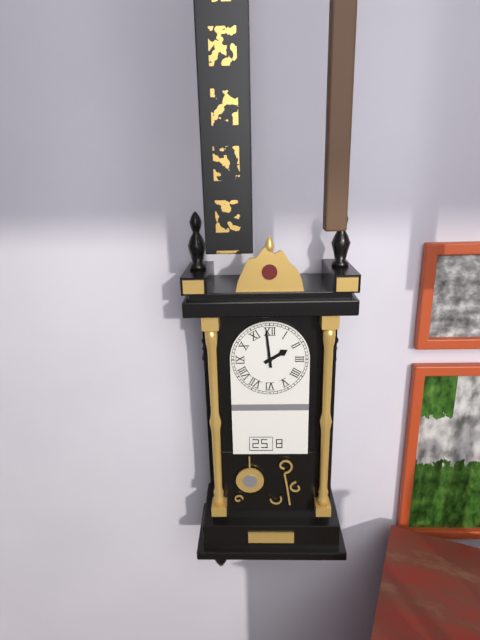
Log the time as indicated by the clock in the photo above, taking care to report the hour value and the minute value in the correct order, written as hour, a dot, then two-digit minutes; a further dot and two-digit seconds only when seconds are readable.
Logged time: 1.59
